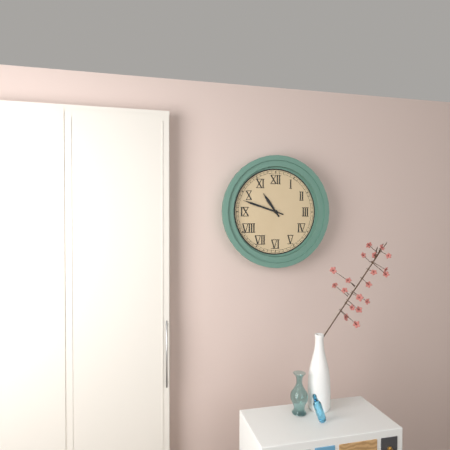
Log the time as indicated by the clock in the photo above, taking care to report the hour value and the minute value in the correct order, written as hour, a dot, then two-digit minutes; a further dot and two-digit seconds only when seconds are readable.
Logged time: 10.48
